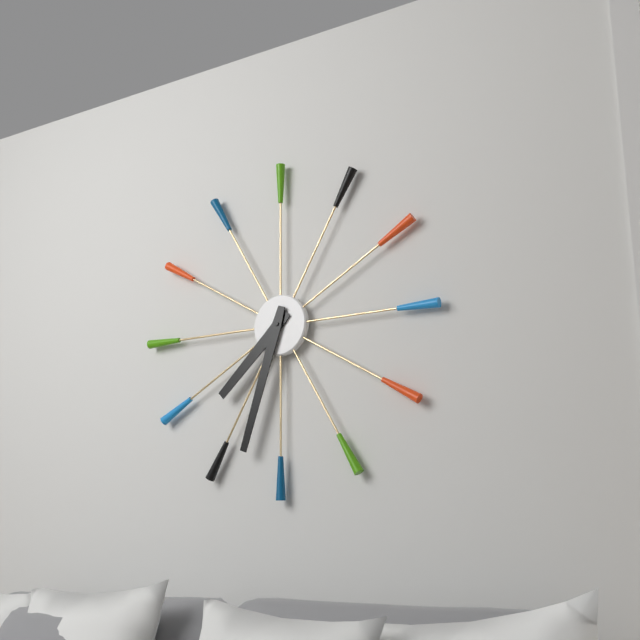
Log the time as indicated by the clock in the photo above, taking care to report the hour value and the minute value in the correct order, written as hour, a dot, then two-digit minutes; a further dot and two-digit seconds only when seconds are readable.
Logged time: 7.33
